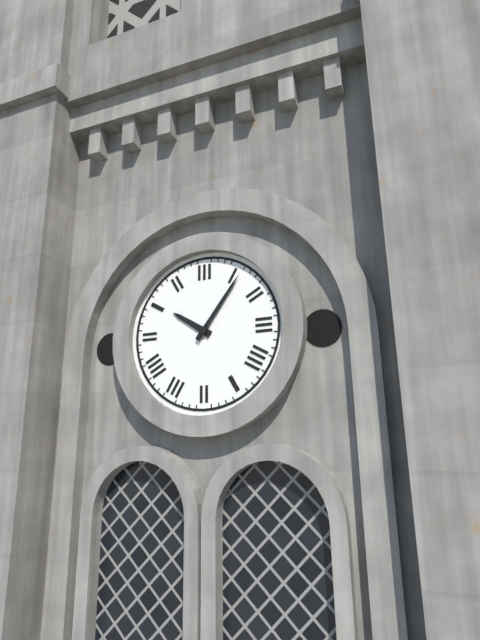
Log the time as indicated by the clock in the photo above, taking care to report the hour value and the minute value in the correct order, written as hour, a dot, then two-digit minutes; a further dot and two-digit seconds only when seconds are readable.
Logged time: 10.06
